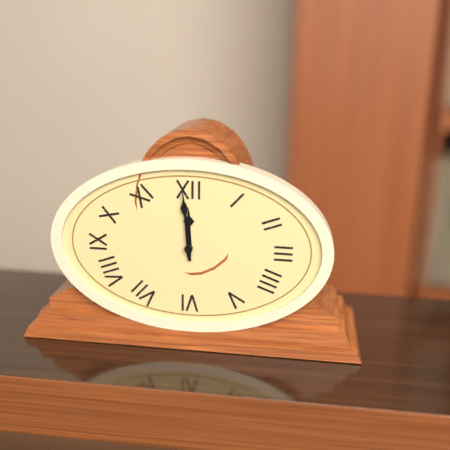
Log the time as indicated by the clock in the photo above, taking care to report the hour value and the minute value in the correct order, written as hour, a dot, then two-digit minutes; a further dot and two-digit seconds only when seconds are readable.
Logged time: 11.59
